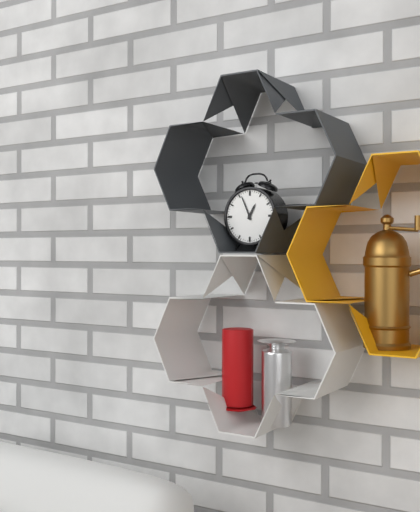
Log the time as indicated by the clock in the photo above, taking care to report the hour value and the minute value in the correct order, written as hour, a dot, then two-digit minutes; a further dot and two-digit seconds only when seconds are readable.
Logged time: 12.56
